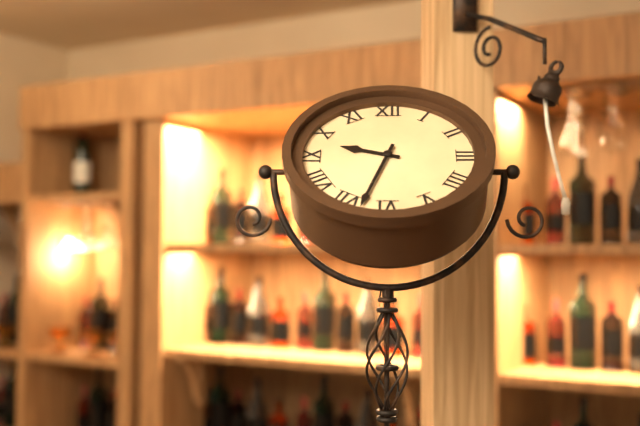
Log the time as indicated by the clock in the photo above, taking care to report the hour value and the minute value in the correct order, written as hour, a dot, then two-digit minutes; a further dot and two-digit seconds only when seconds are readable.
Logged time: 9.33
